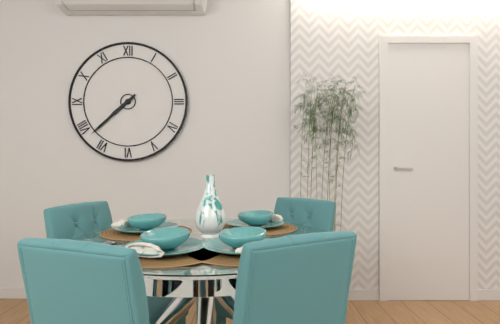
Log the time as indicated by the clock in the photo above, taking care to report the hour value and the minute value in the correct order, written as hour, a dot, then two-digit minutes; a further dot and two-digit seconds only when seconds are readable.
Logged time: 7.38
